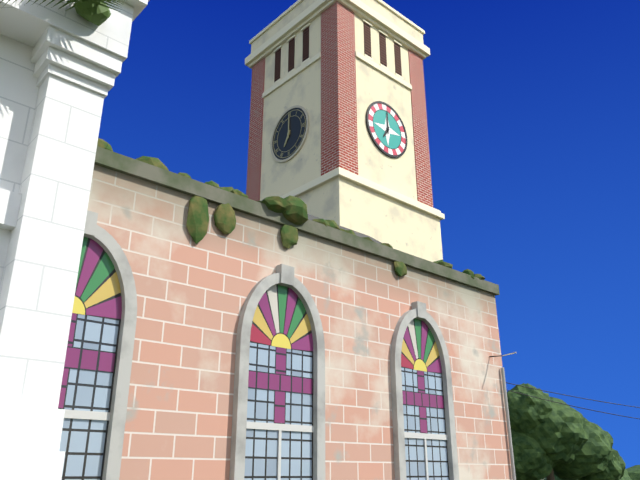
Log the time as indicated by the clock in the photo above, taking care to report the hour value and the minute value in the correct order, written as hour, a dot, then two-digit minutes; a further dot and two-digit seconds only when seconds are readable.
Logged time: 7.00
